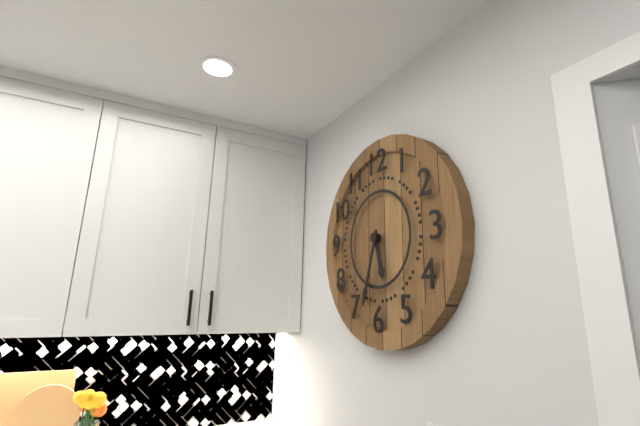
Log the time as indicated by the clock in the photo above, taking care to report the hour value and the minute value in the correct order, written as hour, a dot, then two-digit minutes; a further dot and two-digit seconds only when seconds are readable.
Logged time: 5.33
